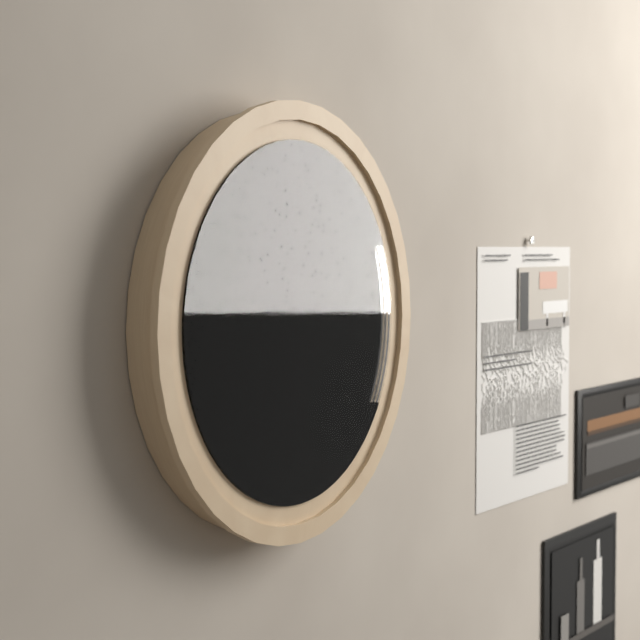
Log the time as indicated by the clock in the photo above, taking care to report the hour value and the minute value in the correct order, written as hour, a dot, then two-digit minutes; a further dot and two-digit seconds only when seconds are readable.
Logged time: 9.30
